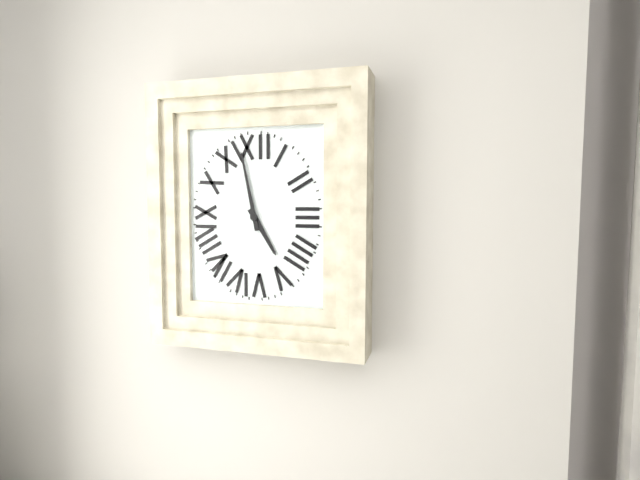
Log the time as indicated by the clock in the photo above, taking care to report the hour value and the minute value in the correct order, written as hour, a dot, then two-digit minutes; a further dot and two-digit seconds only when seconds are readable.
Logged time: 4.58
